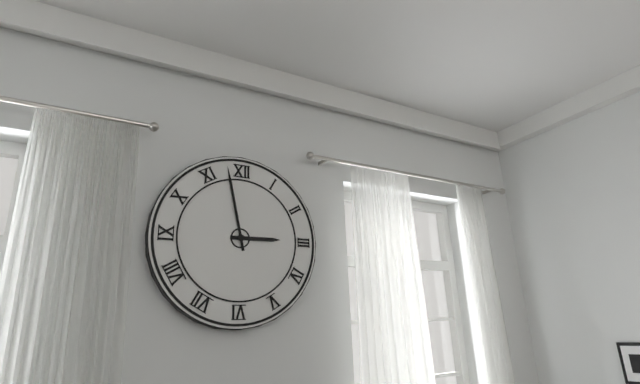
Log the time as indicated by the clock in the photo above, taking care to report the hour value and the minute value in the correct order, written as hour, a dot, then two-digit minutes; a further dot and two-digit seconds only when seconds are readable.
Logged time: 2.58
